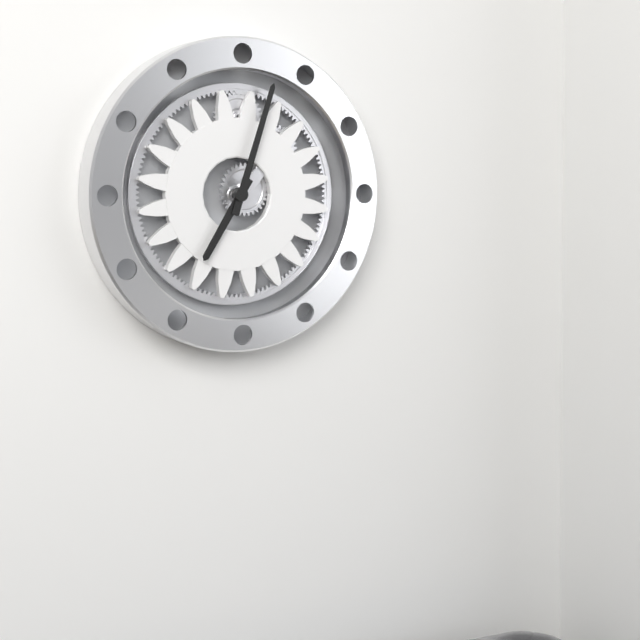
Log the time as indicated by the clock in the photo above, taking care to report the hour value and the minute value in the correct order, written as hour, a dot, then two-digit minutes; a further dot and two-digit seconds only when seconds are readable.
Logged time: 7.03
